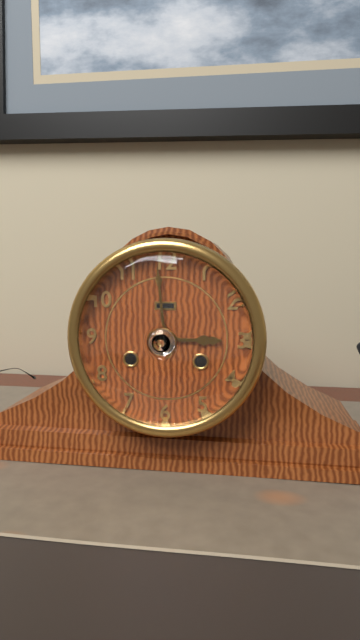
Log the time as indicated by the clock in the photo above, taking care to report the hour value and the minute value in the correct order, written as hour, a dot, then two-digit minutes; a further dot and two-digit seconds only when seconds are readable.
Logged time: 2.59
